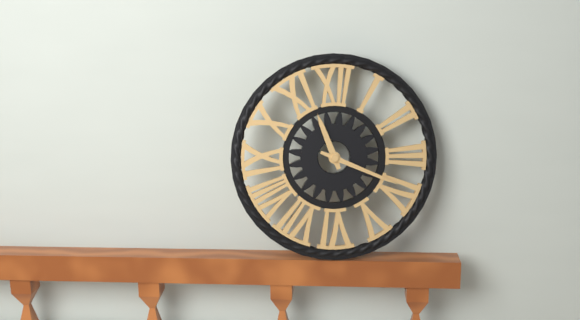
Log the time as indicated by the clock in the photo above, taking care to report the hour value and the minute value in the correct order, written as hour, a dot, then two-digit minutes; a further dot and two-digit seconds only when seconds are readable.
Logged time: 11.19
